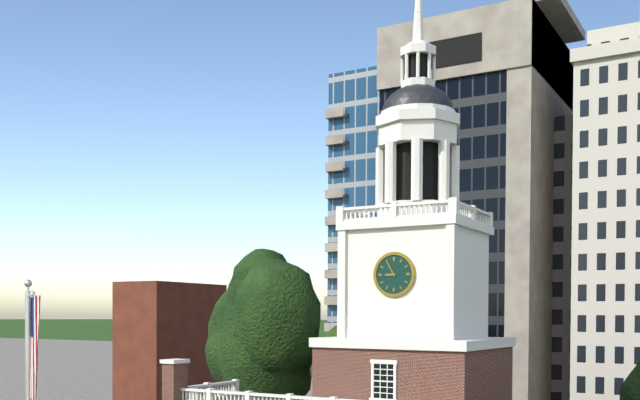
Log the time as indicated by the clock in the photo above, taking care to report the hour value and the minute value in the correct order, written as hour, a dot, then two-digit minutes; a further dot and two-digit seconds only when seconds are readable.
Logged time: 8.55
